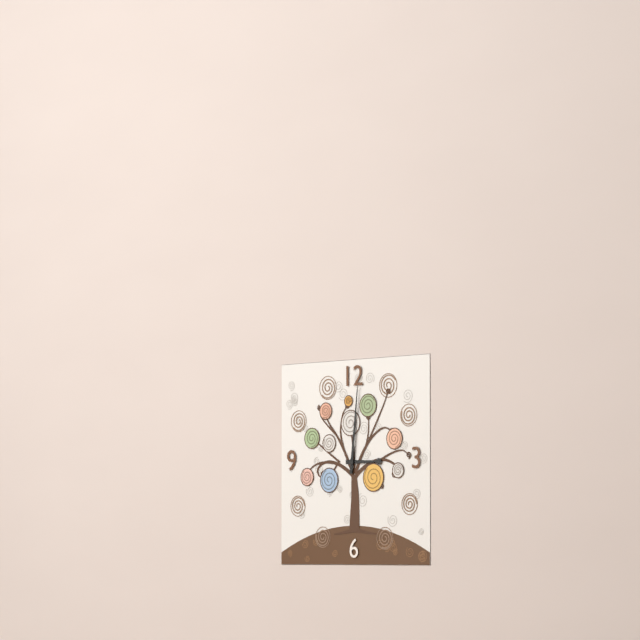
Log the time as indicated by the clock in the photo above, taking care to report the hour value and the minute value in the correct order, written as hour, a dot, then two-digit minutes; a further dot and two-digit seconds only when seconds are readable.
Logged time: 3.01
